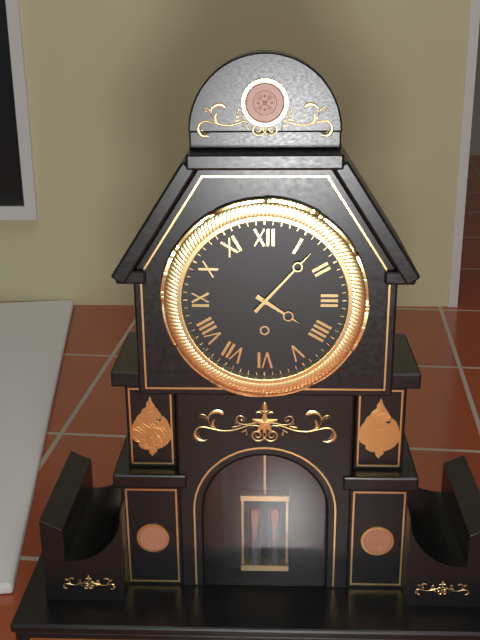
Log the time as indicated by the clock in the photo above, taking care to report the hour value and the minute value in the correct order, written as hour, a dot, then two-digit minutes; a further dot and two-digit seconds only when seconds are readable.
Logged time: 4.07
